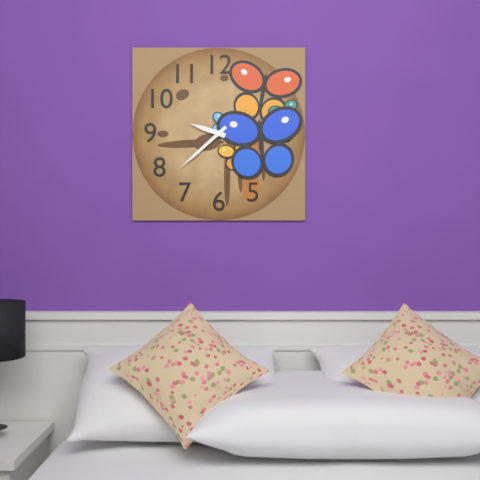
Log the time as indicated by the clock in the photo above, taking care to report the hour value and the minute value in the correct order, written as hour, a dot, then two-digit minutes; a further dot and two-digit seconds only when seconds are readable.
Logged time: 9.38
